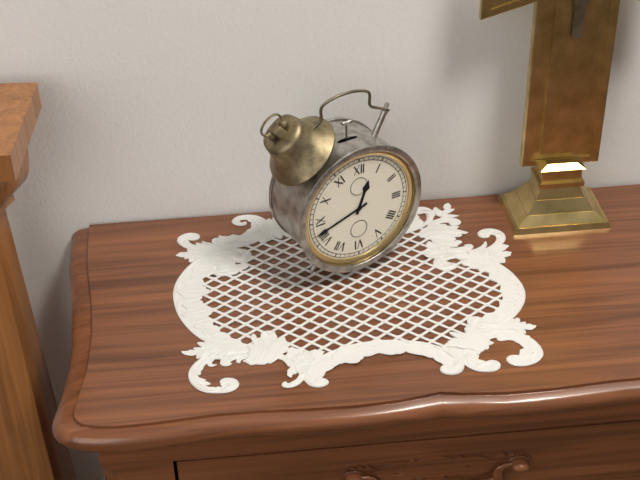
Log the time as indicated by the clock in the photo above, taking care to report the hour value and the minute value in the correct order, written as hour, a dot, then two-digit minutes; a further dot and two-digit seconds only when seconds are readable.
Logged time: 12.42
